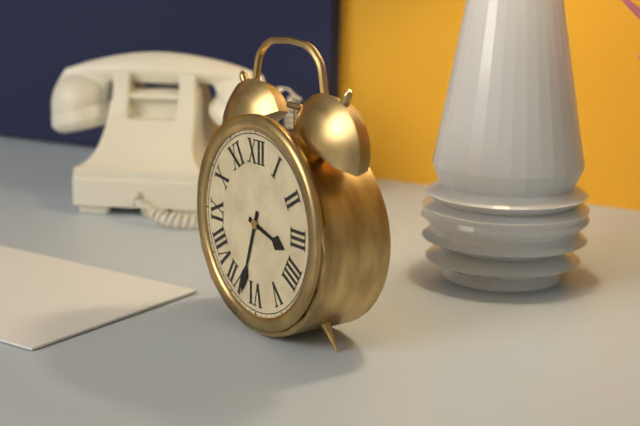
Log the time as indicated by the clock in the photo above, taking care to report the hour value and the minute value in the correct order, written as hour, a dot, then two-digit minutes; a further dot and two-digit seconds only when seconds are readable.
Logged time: 3.33
